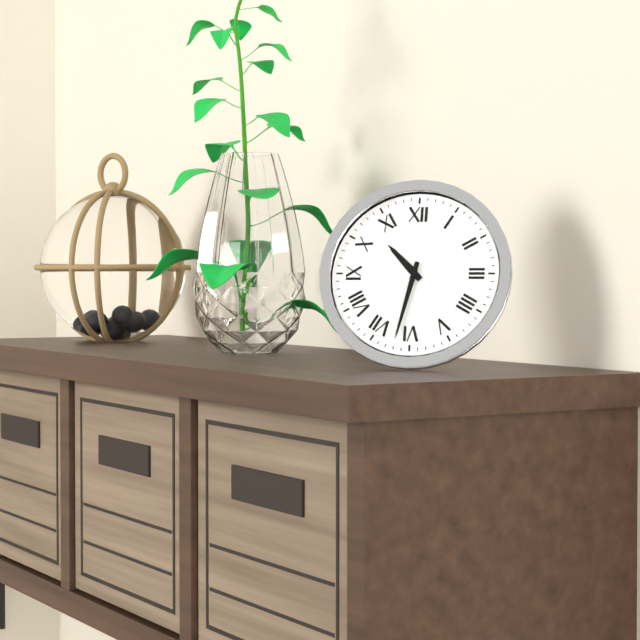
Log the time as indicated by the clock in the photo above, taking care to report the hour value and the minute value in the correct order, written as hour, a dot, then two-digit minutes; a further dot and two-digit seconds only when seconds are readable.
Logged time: 10.32
